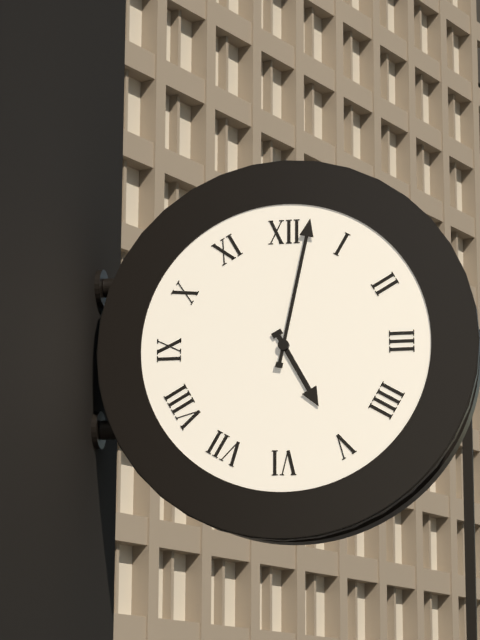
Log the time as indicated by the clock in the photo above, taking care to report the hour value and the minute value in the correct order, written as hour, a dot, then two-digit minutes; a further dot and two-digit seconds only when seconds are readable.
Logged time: 5.02
